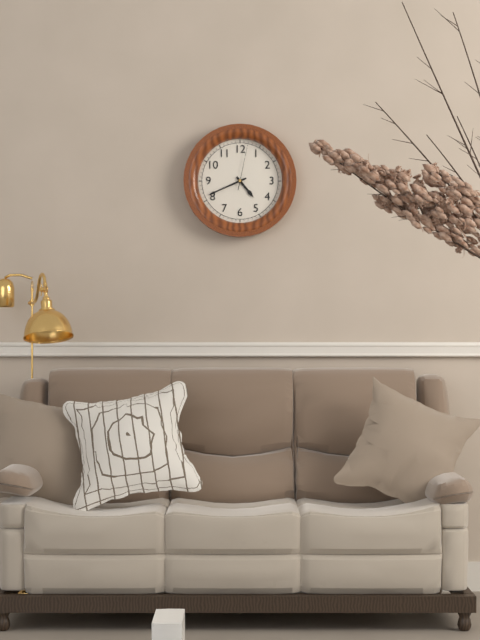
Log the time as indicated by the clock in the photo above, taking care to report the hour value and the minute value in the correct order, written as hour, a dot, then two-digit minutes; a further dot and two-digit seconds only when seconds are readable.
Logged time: 4.41
